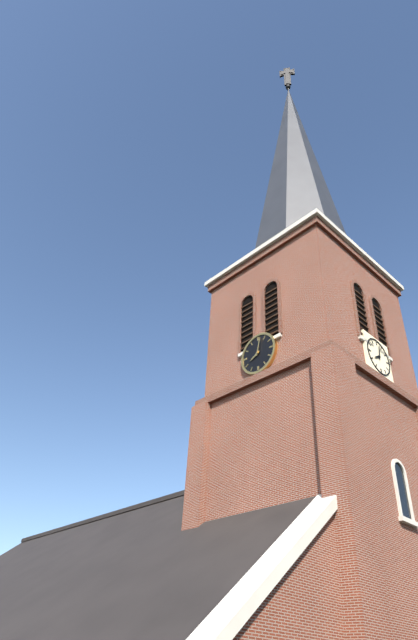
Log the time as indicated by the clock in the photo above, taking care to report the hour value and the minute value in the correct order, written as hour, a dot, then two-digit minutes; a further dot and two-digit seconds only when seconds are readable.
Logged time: 8.02
